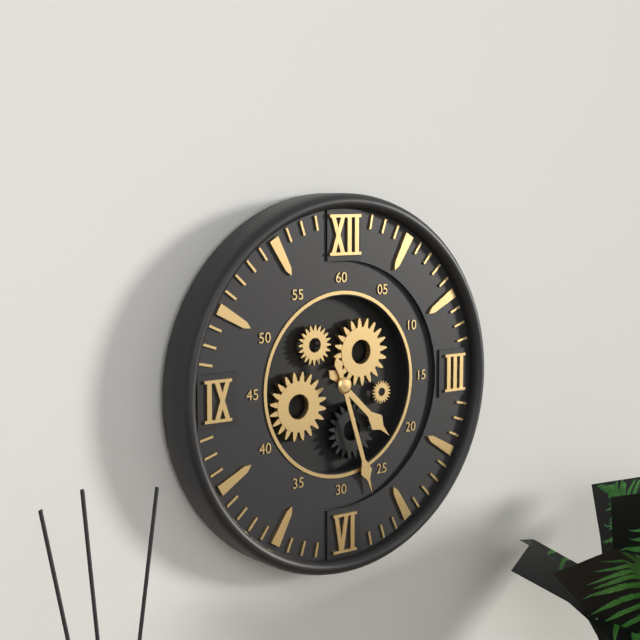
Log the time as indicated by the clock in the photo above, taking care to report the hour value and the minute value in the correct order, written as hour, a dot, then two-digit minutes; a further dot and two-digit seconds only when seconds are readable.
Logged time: 4.27
